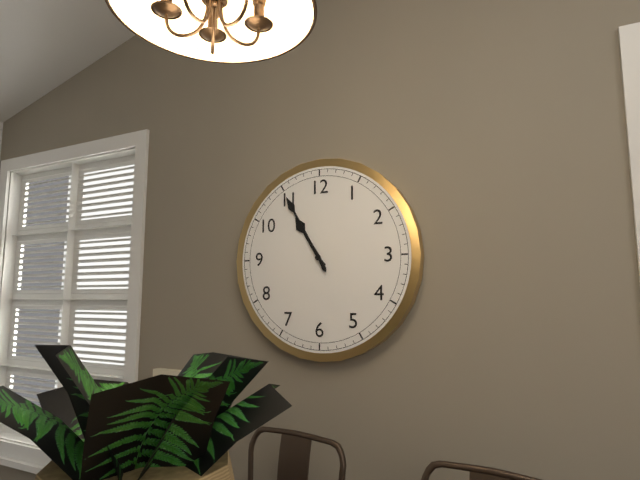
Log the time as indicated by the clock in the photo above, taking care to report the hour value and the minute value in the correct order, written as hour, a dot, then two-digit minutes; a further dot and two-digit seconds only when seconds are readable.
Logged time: 10.55
